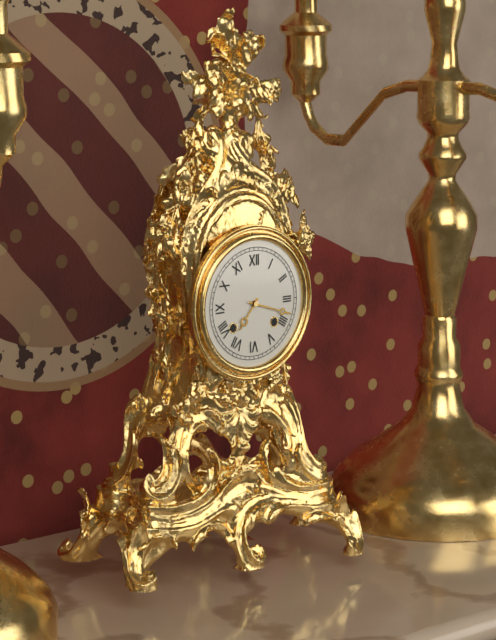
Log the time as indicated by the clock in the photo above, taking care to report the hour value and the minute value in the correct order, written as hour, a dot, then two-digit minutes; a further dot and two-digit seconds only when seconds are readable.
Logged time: 7.18
